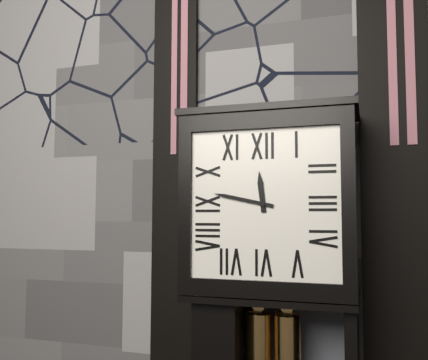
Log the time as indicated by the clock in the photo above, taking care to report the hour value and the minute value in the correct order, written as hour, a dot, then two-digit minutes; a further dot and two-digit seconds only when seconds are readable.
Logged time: 11.47
